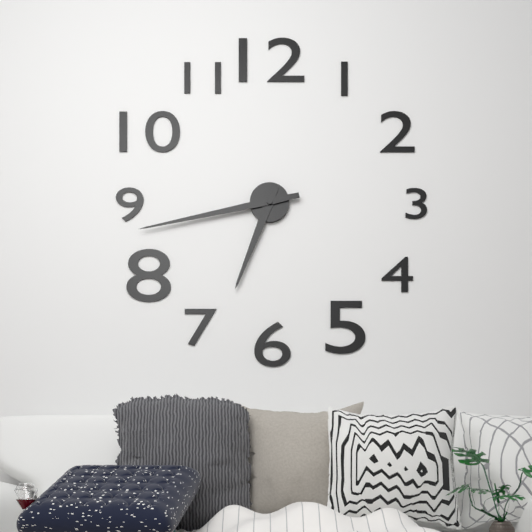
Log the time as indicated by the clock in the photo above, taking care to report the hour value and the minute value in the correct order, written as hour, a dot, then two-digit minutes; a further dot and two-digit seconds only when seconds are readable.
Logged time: 6.43
